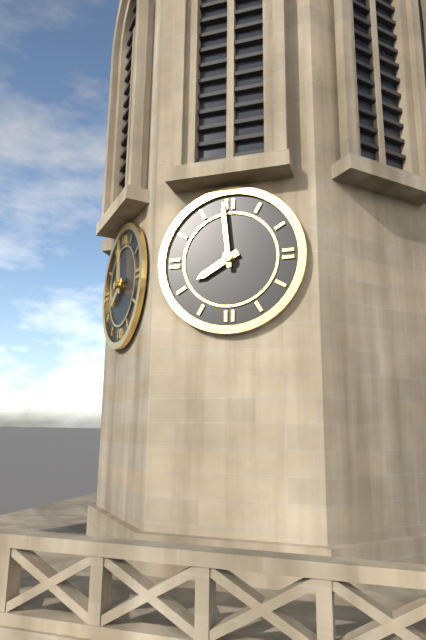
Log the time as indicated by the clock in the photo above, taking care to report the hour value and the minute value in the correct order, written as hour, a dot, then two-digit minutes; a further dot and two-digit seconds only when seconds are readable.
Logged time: 7.59
